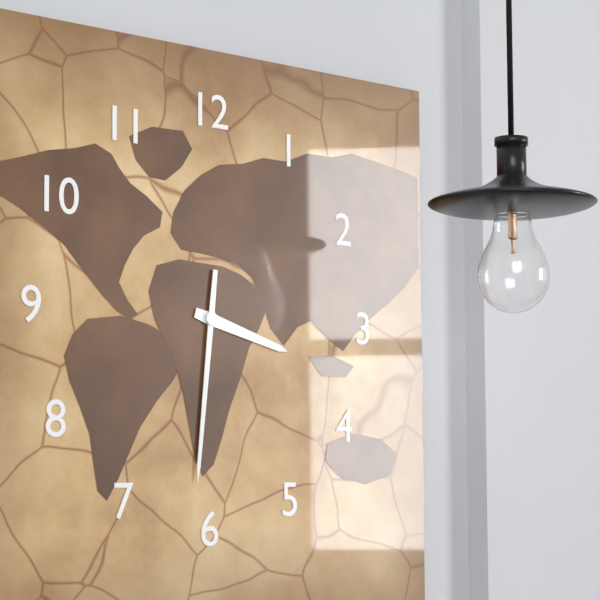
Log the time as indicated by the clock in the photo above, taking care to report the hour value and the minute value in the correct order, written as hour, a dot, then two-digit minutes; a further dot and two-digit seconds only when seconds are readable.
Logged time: 3.31
